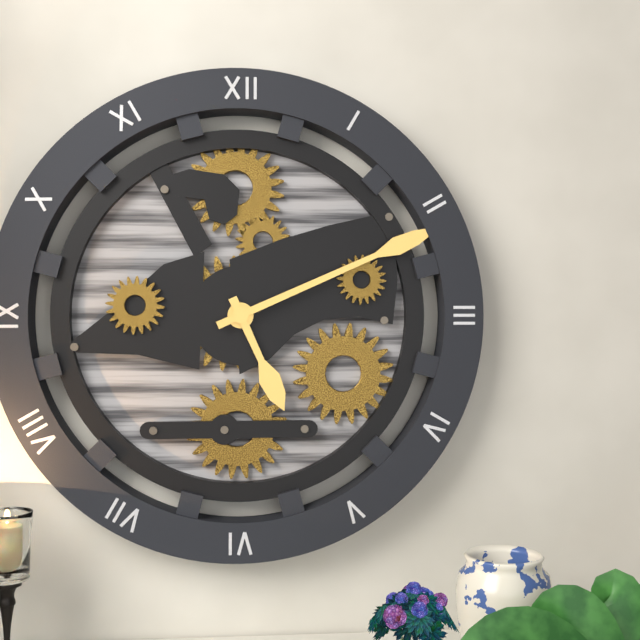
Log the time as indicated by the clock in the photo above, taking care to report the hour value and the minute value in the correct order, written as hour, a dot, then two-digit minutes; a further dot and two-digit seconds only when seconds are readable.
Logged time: 5.11
